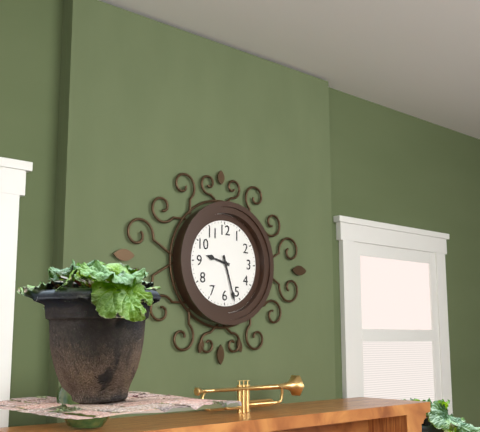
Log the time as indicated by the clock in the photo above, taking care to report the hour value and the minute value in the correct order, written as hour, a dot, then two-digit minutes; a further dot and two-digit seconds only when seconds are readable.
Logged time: 9.27
